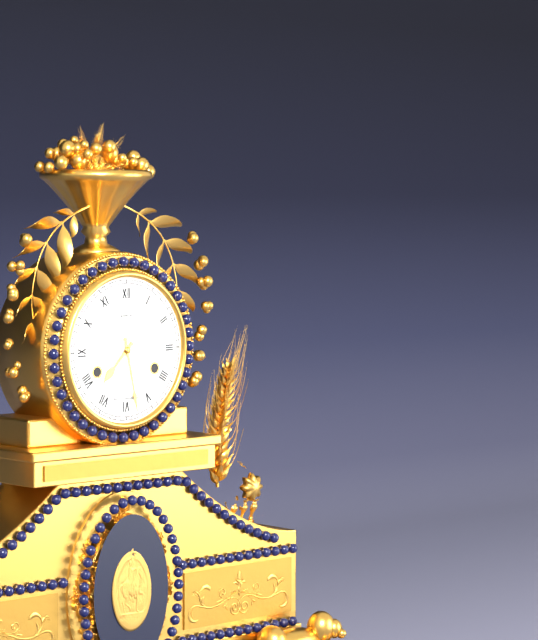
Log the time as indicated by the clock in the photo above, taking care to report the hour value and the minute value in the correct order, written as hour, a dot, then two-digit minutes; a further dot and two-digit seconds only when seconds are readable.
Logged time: 7.28
